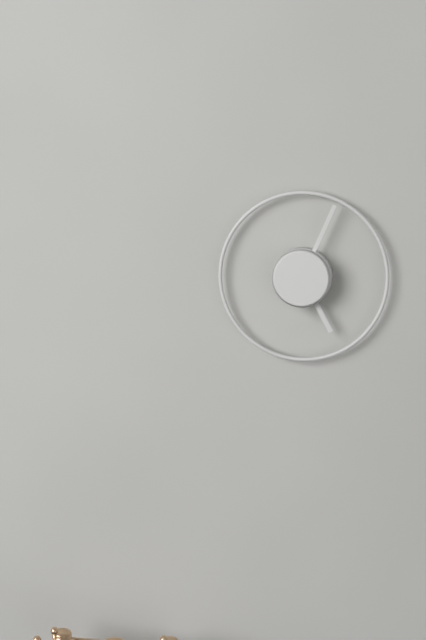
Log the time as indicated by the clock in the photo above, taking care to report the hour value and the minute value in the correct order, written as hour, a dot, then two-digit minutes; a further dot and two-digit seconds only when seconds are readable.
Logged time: 5.04
